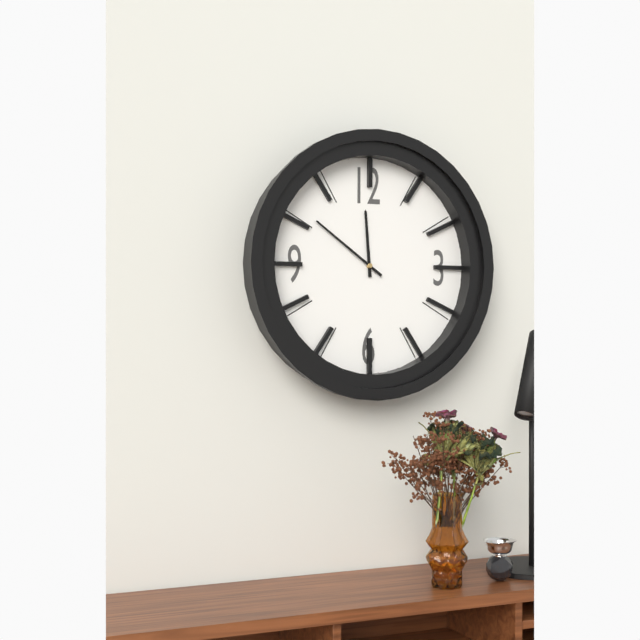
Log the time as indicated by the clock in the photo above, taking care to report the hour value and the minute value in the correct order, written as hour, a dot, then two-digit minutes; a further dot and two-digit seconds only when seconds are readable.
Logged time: 11.51
